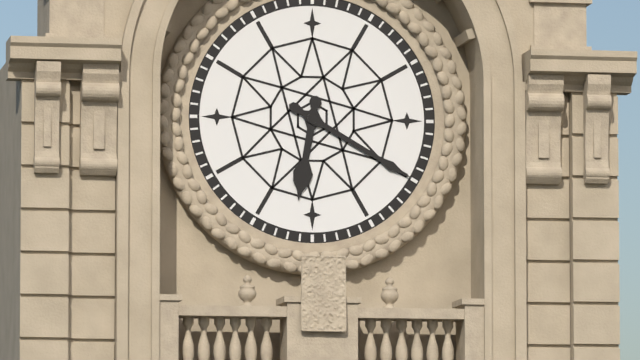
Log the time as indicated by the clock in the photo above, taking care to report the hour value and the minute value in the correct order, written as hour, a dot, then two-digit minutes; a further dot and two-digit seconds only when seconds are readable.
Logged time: 6.20
